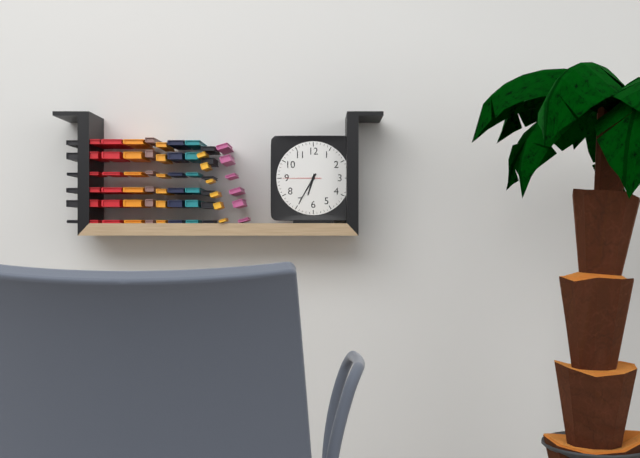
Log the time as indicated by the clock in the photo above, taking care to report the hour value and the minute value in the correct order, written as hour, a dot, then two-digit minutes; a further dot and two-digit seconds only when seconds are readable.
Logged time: 6.35
